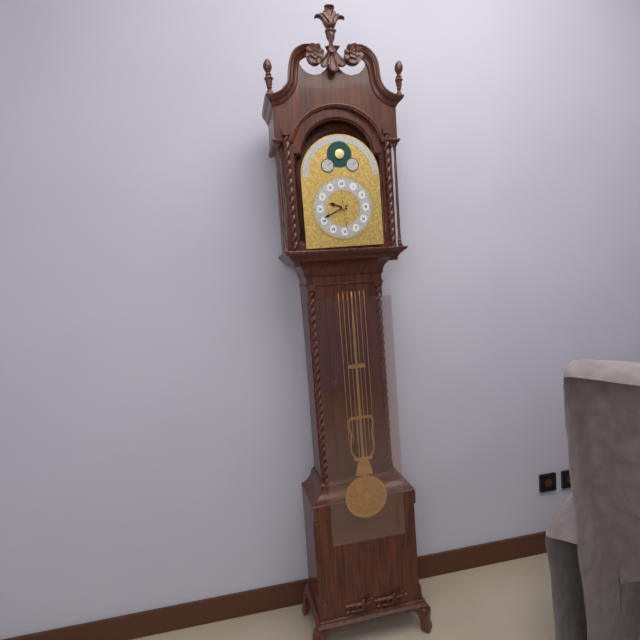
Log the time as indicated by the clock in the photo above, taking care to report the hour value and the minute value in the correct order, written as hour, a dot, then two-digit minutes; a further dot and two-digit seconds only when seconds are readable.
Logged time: 9.41
